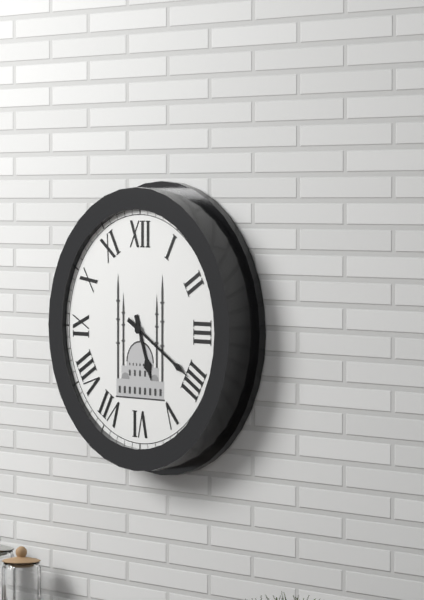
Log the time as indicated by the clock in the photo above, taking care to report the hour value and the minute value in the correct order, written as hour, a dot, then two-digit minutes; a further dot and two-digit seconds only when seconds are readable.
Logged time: 5.20
